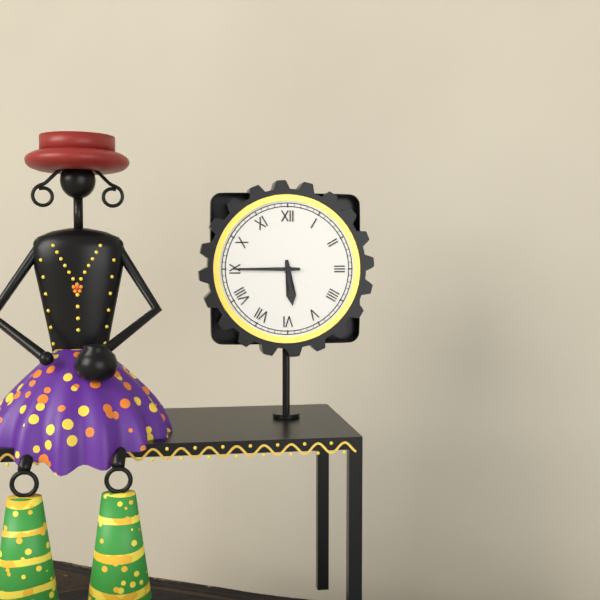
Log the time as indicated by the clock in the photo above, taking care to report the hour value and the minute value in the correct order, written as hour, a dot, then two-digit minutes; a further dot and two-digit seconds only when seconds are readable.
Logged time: 5.45
